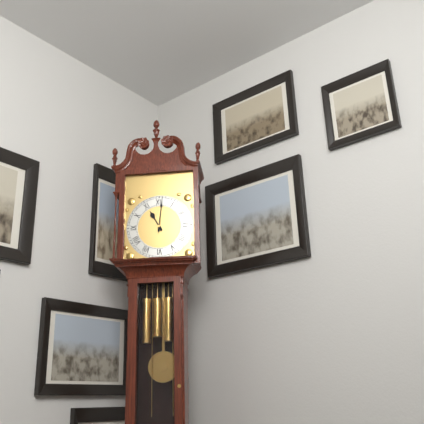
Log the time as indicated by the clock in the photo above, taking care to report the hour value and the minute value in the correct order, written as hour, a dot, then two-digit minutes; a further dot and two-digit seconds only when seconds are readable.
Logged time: 11.01
